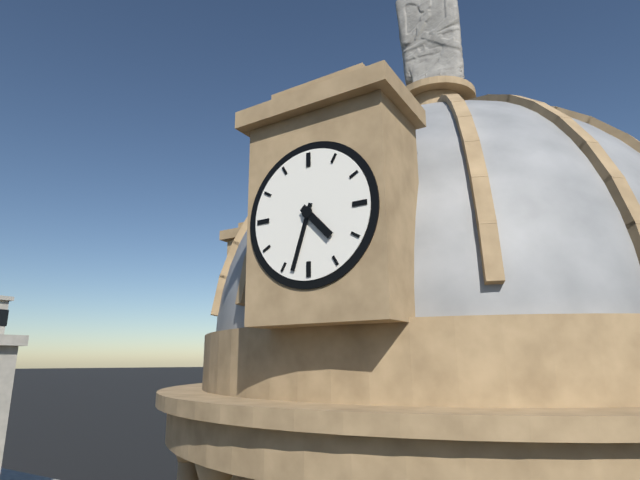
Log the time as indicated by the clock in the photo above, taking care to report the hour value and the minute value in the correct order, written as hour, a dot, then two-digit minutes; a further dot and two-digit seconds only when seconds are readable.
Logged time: 4.33
